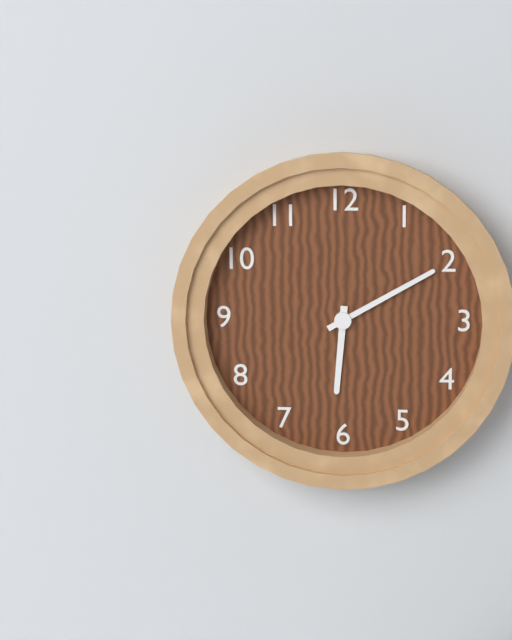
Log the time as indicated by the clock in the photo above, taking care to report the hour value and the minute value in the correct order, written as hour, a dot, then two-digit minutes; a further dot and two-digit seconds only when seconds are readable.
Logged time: 6.10
